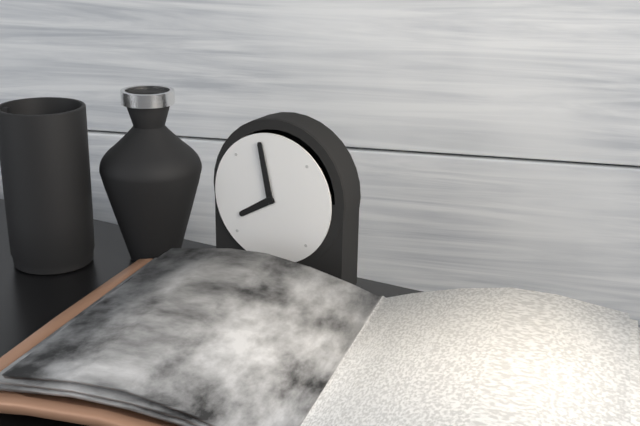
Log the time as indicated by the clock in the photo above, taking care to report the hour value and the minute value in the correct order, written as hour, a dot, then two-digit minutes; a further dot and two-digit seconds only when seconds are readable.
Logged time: 7.58
